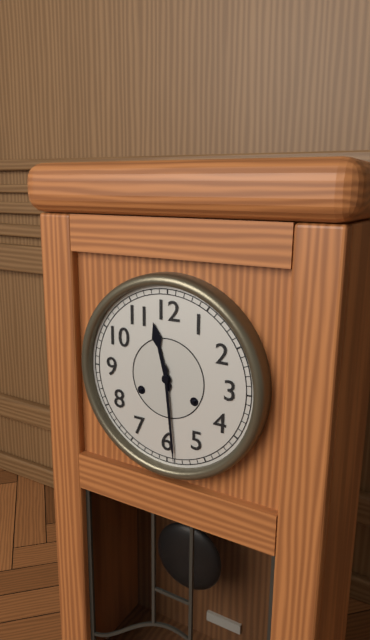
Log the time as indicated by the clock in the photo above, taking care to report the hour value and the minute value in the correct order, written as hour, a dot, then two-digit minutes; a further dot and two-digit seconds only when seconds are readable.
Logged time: 11.29
